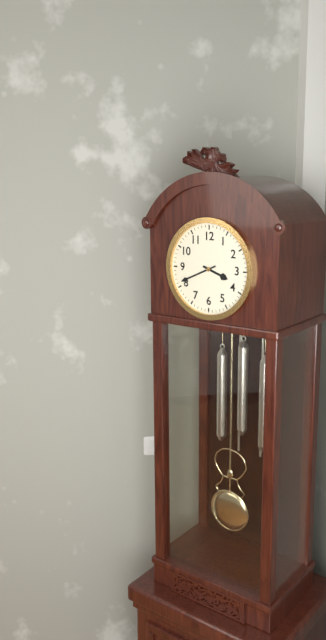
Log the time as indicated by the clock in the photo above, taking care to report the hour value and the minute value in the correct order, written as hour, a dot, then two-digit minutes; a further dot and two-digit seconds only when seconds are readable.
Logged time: 3.41
